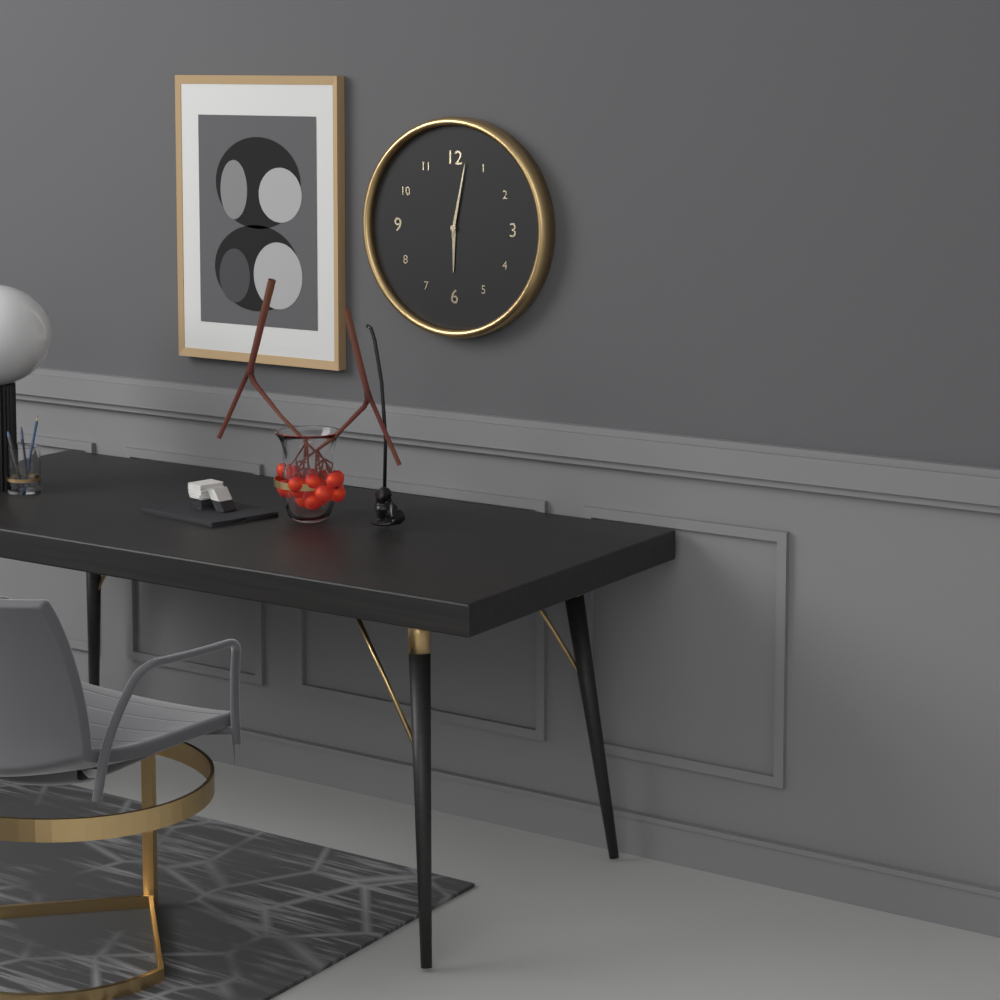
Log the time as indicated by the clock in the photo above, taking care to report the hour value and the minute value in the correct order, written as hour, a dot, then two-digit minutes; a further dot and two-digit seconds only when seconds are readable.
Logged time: 6.02
